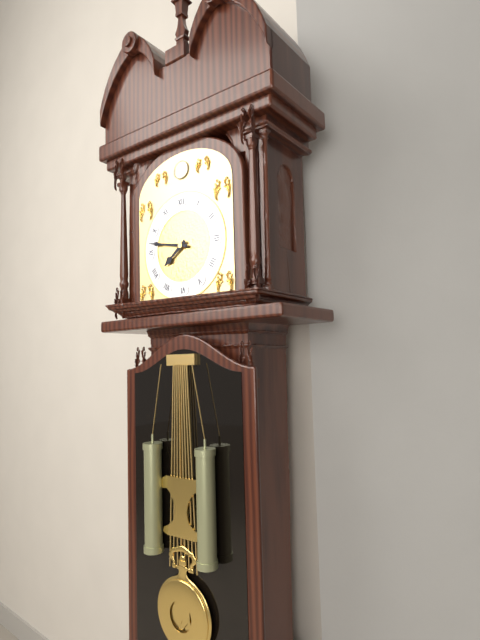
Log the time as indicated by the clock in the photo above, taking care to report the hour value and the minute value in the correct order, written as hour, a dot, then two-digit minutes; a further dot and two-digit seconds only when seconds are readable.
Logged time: 7.47
